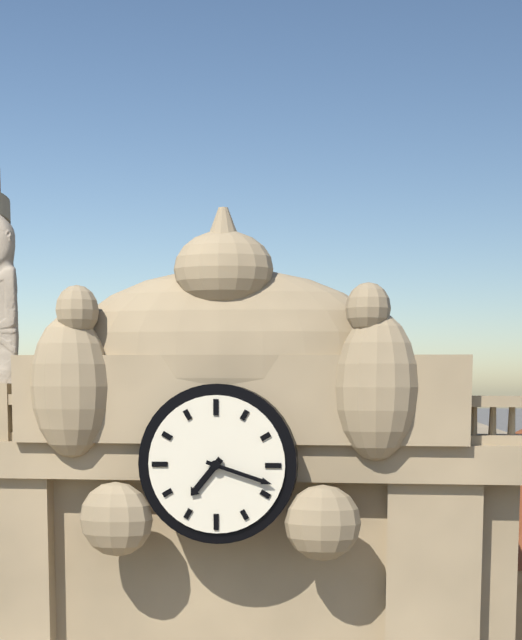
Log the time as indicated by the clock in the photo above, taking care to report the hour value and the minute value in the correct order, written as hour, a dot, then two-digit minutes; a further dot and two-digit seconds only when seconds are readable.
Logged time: 7.18
